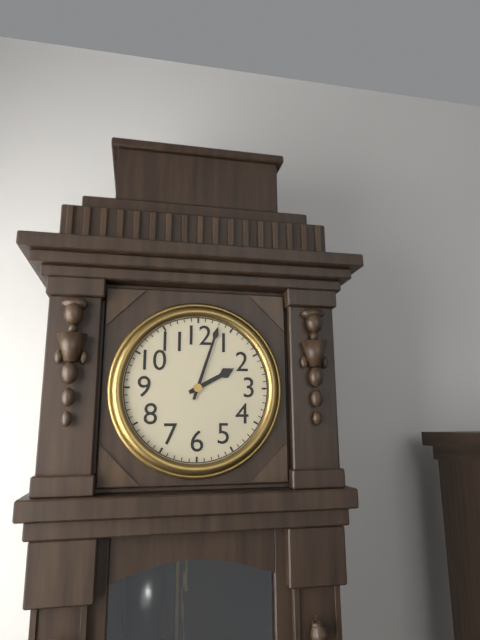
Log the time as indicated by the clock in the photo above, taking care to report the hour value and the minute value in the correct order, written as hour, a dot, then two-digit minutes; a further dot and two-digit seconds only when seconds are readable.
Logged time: 2.03
